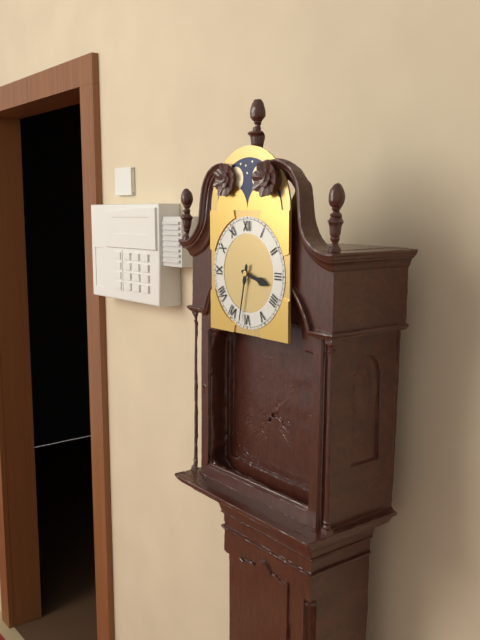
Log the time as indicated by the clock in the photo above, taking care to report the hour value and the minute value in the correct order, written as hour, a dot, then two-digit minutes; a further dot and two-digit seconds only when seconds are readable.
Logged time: 3.32
